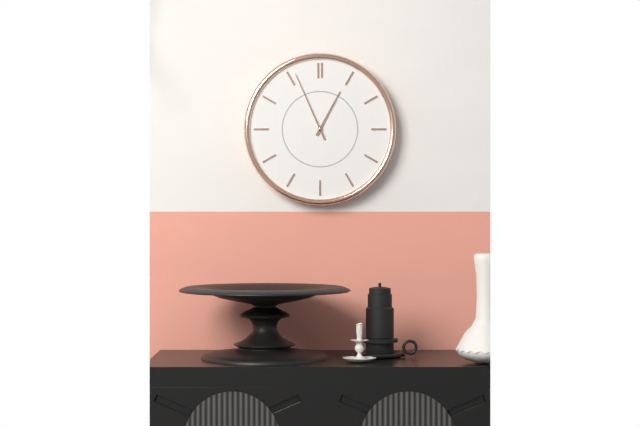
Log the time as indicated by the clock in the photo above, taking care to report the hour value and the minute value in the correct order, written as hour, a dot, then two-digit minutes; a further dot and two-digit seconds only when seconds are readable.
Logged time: 12.56
